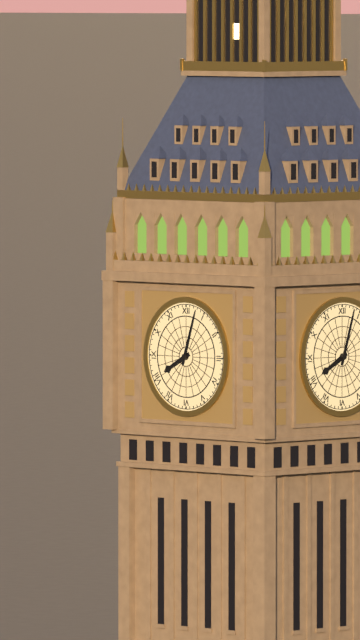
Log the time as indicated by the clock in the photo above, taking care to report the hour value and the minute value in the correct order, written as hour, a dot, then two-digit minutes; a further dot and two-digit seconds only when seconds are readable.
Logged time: 8.03
